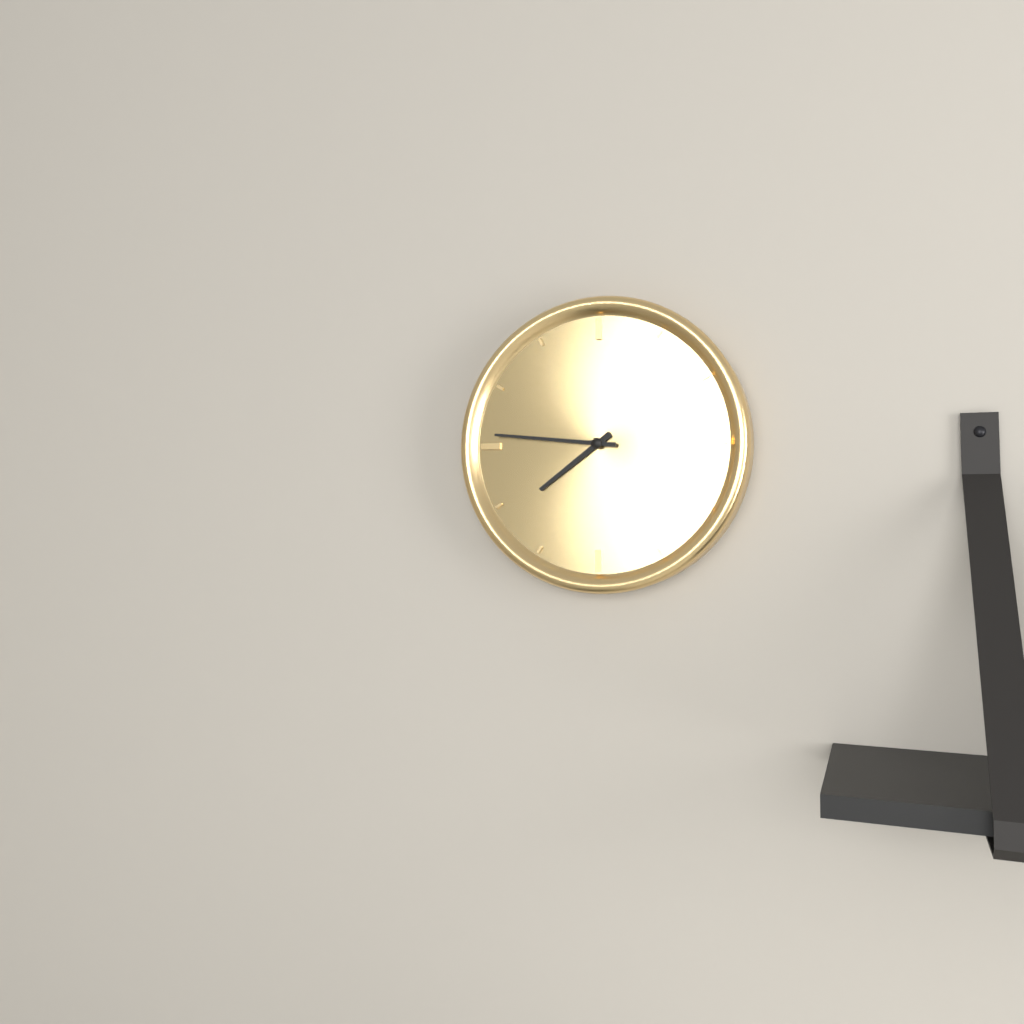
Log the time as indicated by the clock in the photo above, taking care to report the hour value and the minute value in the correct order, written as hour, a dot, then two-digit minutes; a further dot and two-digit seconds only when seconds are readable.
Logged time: 7.46
